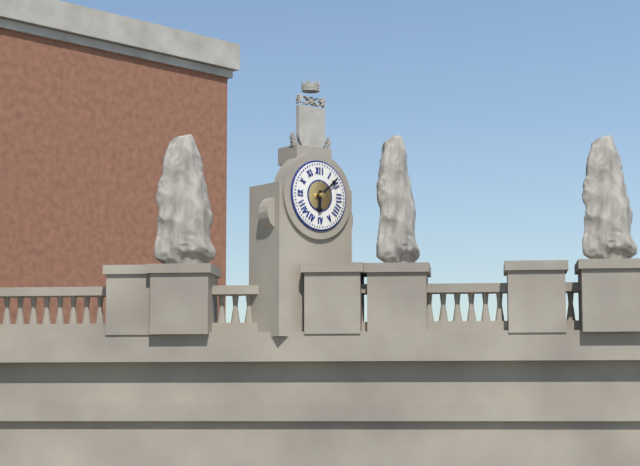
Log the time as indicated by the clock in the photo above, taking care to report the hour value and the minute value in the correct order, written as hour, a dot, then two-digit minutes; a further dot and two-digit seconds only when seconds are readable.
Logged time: 6.08
